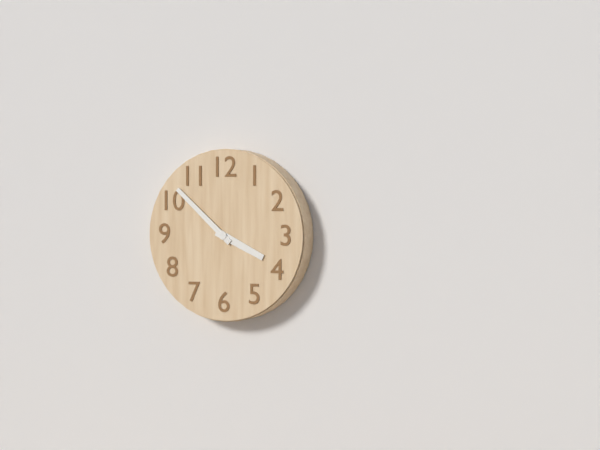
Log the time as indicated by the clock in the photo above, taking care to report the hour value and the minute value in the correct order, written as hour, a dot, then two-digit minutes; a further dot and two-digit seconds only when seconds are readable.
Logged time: 3.52
